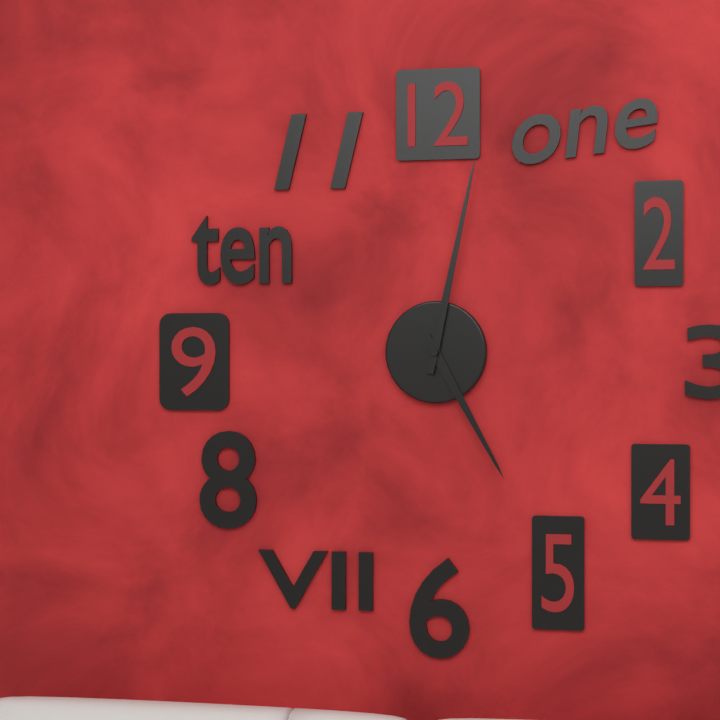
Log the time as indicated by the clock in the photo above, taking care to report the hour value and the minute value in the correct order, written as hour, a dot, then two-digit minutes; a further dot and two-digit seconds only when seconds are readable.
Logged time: 5.02
